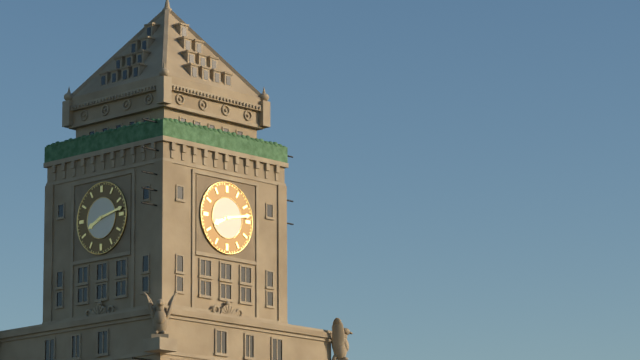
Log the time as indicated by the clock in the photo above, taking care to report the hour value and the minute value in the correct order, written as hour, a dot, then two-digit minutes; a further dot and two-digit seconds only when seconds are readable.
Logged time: 8.13
